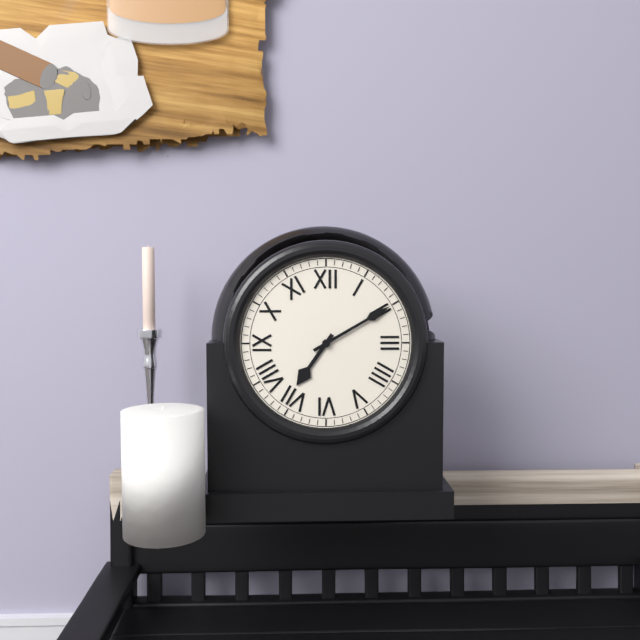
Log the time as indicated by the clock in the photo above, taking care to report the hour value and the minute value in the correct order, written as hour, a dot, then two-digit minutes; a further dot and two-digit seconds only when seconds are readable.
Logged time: 7.10
